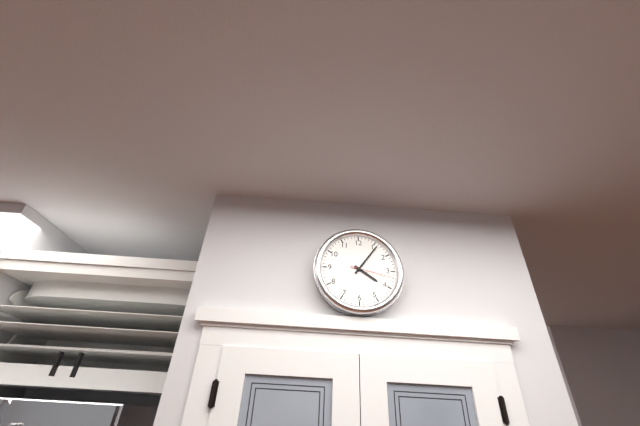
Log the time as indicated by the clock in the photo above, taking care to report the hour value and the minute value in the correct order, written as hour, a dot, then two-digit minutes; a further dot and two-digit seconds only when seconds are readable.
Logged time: 4.06
